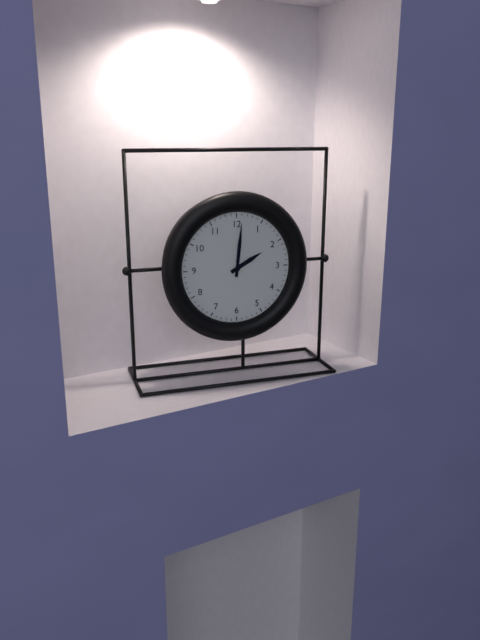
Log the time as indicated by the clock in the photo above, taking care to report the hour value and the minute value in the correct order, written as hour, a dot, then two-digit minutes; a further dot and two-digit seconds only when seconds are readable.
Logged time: 2.01
